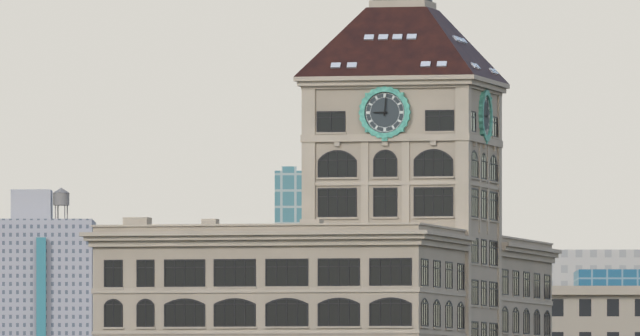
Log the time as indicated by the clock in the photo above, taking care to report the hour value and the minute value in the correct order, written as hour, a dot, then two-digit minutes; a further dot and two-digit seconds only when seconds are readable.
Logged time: 9.01
